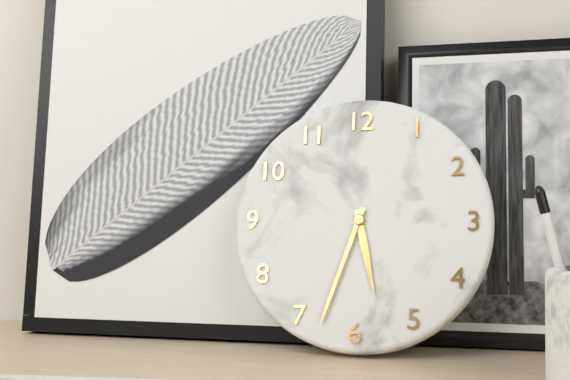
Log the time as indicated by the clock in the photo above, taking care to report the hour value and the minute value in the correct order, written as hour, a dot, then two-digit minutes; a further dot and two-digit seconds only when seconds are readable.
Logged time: 5.33
